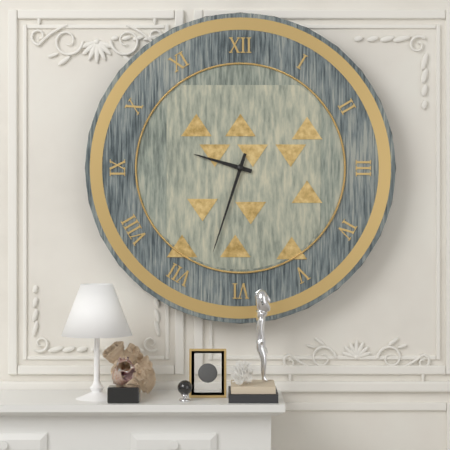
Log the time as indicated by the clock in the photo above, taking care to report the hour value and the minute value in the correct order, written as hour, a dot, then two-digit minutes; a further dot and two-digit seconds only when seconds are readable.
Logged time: 9.33
